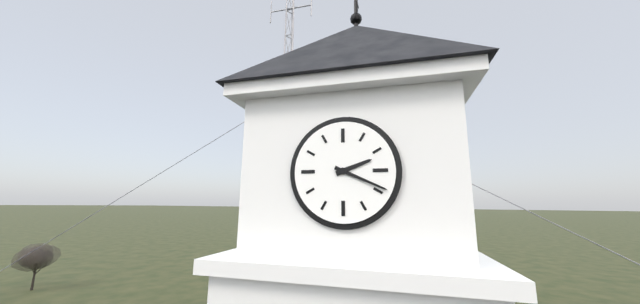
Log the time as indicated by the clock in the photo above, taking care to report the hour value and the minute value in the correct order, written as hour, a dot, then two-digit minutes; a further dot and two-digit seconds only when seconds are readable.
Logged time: 2.19
